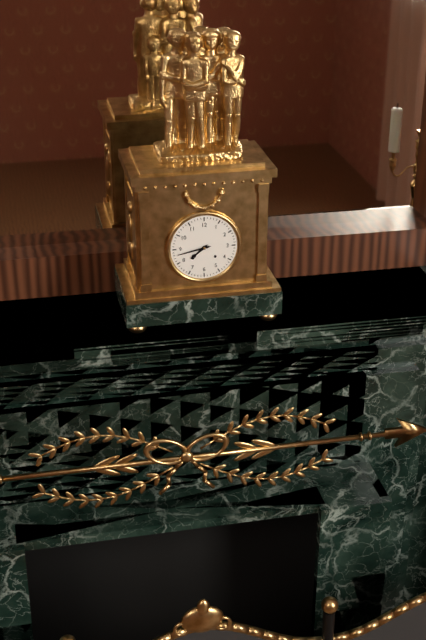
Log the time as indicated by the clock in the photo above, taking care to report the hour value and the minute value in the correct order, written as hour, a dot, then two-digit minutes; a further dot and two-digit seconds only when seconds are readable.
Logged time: 7.43
